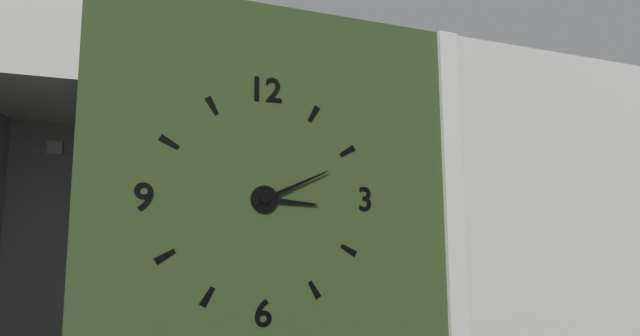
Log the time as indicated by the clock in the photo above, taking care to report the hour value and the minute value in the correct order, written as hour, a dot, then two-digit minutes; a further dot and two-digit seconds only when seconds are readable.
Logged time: 3.11
